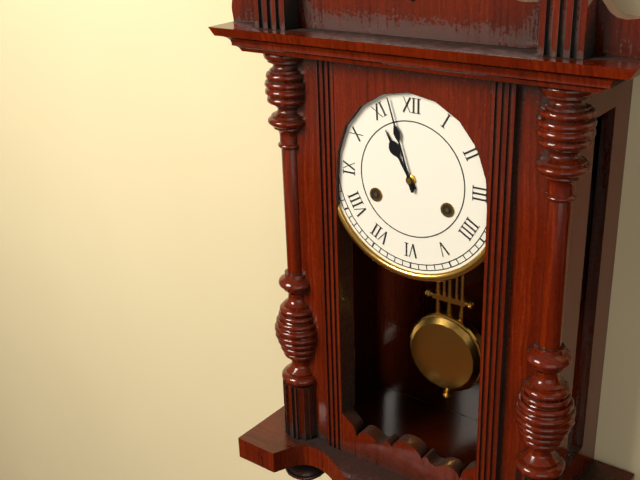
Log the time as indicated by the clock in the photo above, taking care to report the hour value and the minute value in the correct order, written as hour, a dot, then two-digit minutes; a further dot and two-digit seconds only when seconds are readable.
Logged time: 10.57
